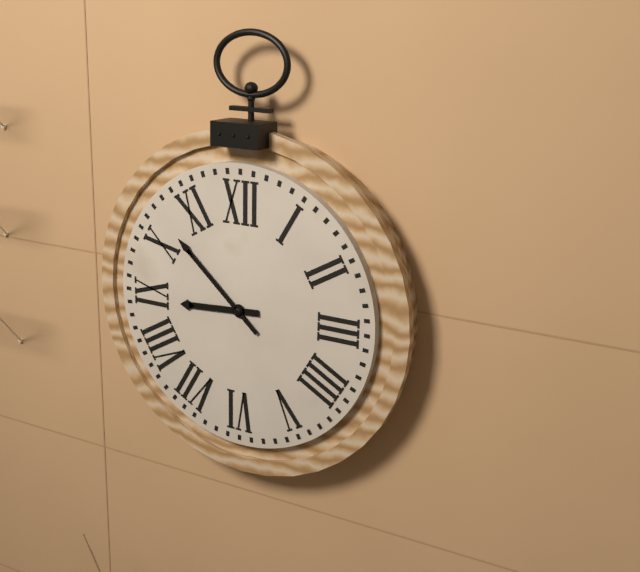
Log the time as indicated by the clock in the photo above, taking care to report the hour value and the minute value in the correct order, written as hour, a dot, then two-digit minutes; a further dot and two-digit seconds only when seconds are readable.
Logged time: 8.52
